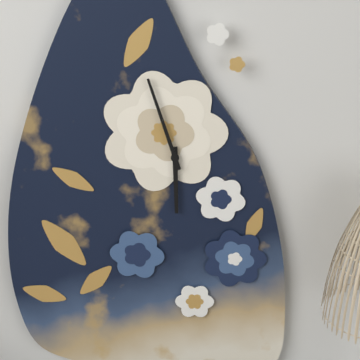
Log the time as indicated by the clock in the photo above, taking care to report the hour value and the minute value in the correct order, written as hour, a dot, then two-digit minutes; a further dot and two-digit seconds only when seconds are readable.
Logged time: 5.57
